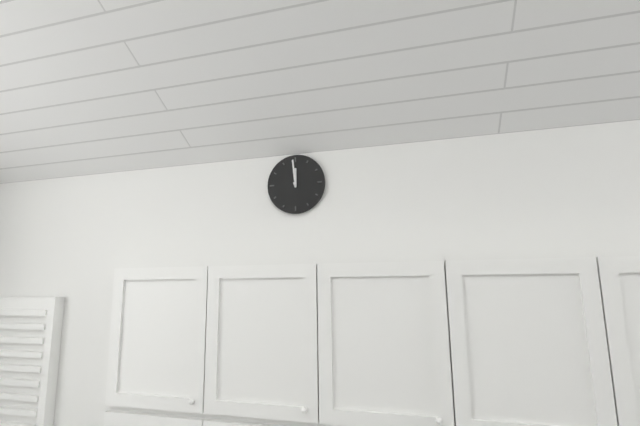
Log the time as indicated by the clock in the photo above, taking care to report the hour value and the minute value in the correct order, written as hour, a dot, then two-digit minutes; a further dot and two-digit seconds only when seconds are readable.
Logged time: 11.59
